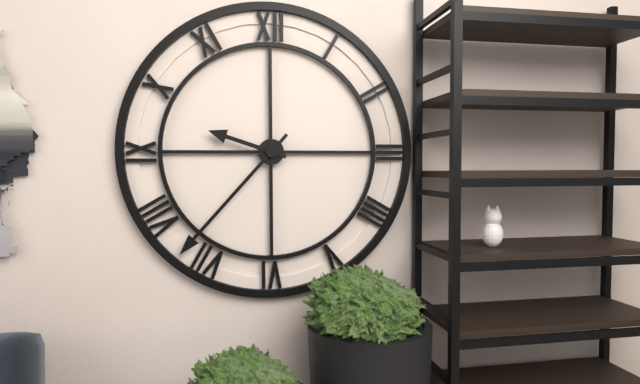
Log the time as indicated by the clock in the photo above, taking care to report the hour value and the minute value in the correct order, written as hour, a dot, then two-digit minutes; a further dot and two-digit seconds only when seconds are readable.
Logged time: 9.37
